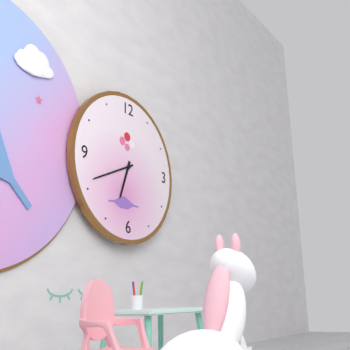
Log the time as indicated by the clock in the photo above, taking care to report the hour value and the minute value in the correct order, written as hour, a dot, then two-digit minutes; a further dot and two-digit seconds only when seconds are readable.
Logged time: 6.41
